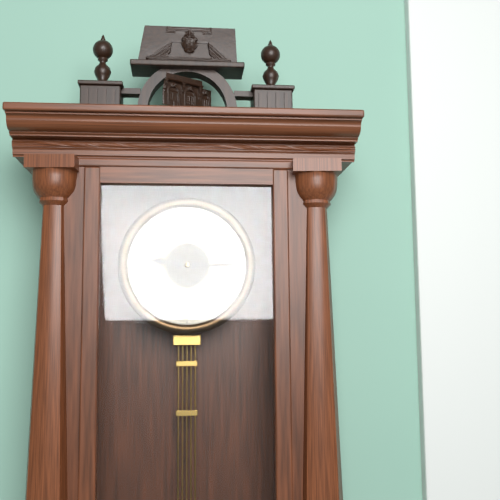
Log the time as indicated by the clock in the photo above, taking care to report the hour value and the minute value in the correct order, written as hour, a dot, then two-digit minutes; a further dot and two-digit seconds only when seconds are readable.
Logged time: 9.15
